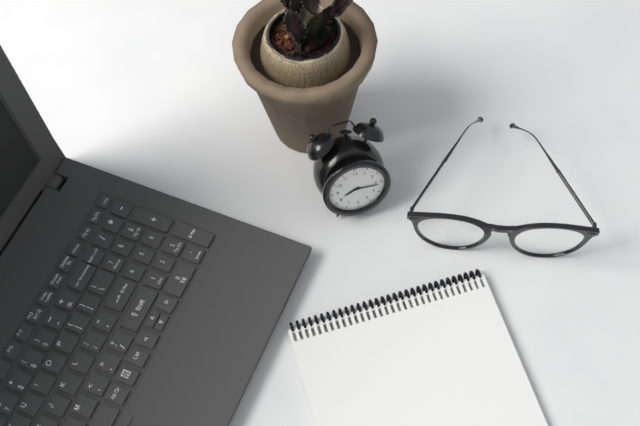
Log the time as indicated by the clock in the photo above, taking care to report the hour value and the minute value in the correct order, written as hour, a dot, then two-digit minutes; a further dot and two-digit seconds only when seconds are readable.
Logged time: 8.16
